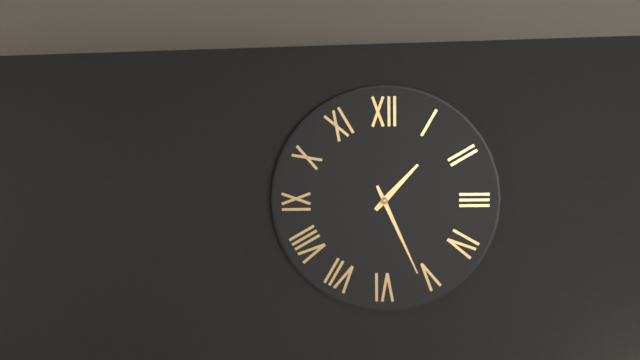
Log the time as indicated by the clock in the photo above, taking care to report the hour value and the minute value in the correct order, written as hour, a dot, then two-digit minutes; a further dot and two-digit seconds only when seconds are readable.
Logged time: 1.26
